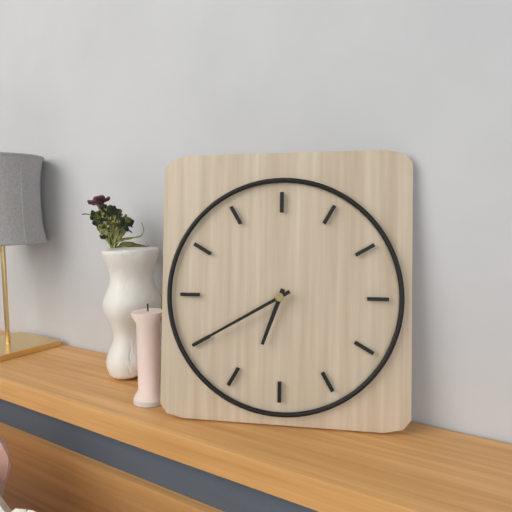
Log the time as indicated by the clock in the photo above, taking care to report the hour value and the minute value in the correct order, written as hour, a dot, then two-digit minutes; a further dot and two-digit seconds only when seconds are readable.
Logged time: 6.40
